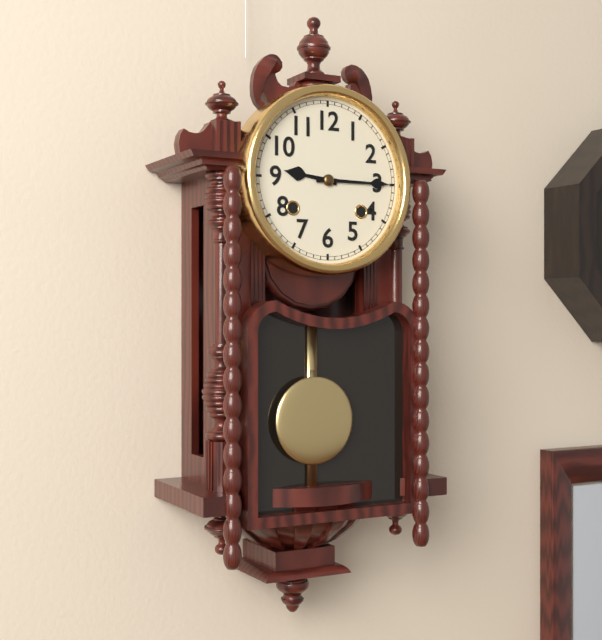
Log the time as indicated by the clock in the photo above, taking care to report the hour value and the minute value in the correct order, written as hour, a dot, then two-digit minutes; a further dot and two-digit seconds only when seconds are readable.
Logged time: 9.15
